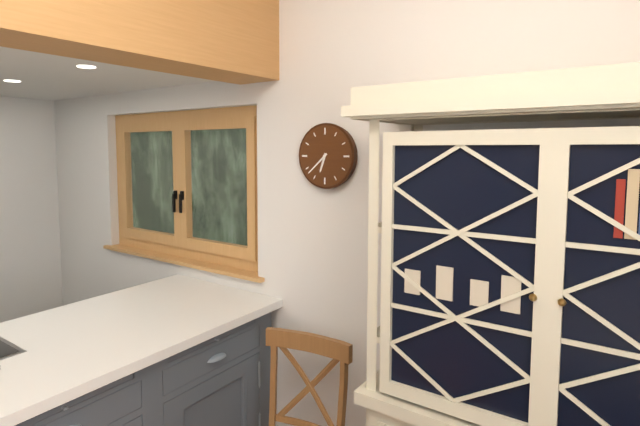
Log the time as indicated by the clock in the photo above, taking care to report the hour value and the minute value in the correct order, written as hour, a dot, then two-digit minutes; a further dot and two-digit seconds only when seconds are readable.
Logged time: 6.38
